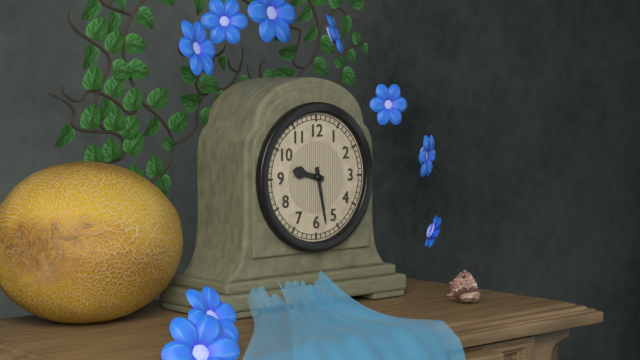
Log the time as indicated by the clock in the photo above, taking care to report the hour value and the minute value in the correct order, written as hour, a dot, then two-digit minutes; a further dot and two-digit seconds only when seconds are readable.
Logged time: 9.28
